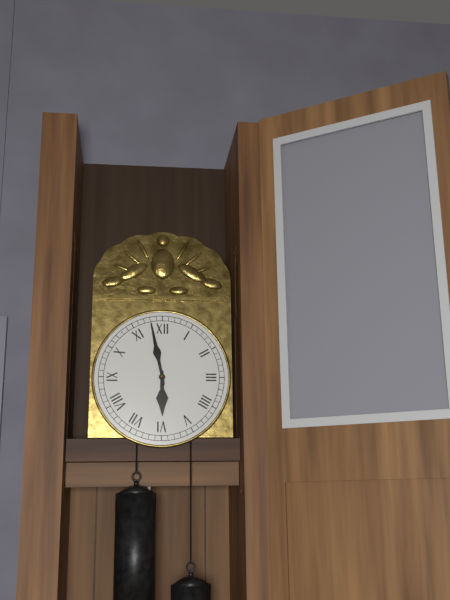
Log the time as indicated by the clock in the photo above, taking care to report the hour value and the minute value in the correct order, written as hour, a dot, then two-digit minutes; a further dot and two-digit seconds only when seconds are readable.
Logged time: 5.58
